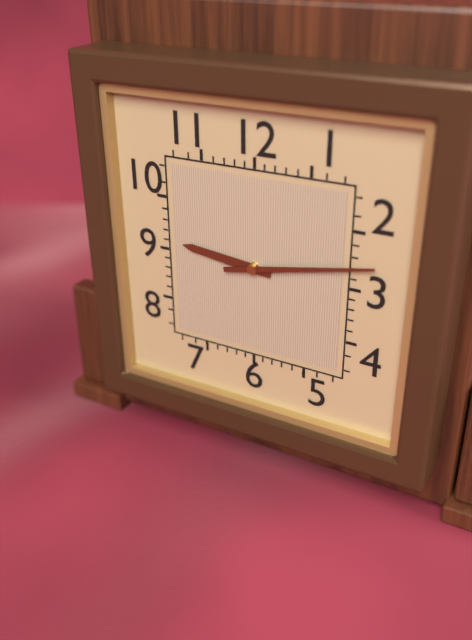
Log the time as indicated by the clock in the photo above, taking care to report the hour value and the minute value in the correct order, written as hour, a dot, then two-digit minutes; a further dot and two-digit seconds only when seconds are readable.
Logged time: 9.13
